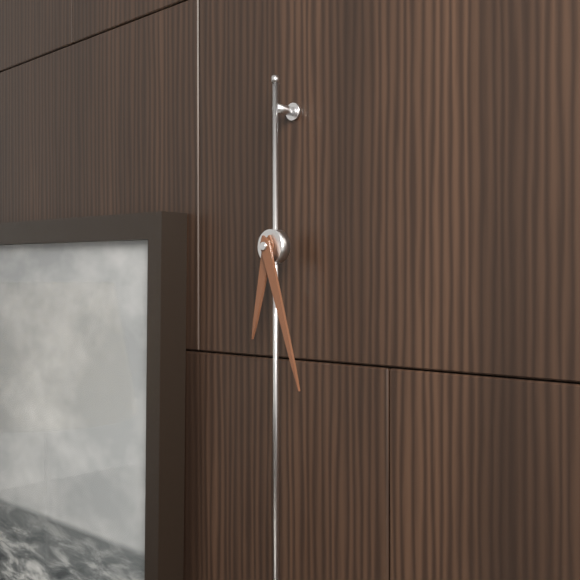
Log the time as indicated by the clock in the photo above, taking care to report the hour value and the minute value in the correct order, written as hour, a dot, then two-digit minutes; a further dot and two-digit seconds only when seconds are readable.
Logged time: 6.27
